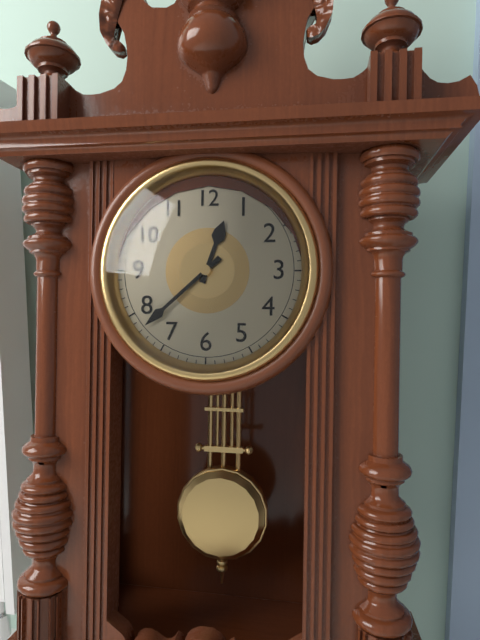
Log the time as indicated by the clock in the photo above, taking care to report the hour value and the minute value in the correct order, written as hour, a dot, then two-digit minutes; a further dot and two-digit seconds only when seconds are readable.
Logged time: 12.38
